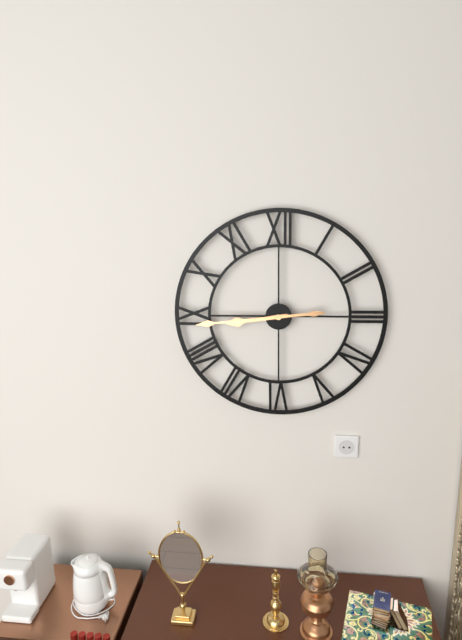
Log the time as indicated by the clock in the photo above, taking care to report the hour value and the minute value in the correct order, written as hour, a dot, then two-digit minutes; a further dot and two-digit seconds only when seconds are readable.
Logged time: 8.44
